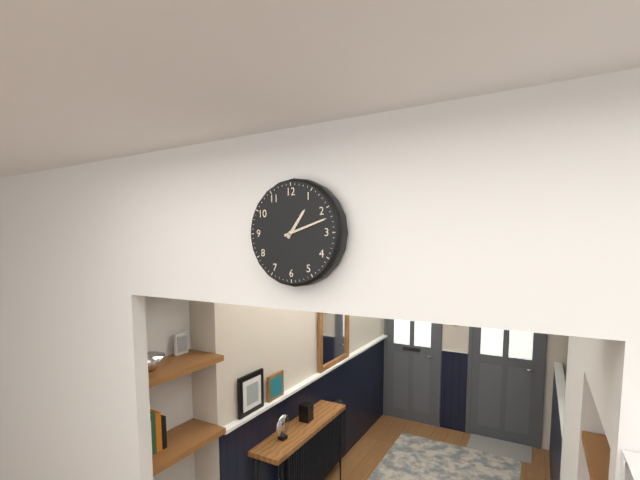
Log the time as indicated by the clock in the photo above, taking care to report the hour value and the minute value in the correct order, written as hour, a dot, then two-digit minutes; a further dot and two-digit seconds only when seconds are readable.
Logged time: 1.12
